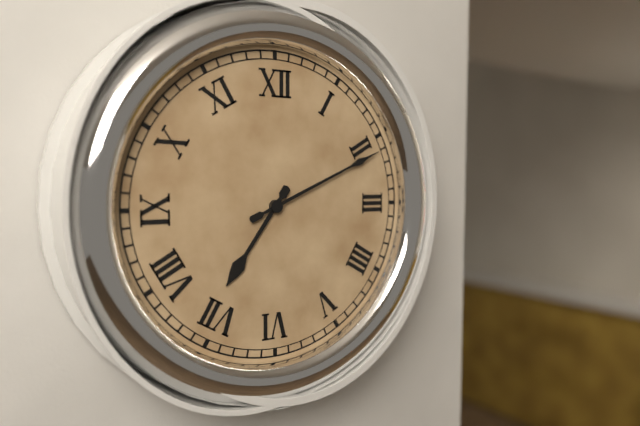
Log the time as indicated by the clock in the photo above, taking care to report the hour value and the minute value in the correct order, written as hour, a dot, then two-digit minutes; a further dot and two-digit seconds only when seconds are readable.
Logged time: 7.11
